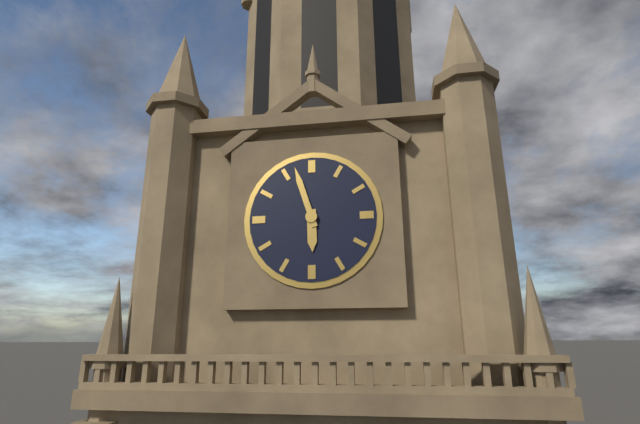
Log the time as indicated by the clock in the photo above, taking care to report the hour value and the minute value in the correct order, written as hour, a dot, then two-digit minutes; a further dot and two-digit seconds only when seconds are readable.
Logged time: 5.57
